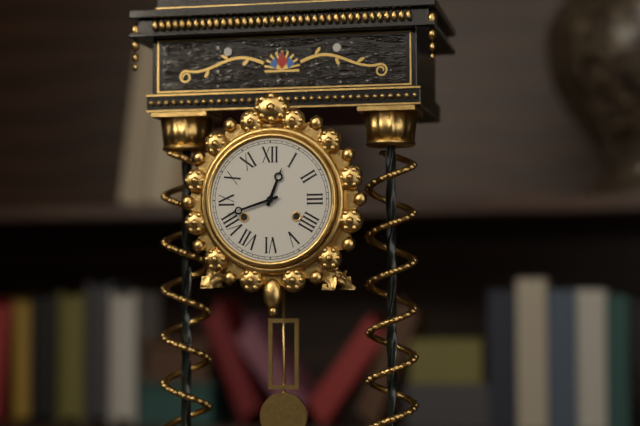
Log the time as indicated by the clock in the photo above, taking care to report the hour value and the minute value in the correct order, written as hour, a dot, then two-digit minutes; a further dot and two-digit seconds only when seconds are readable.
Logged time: 12.42
